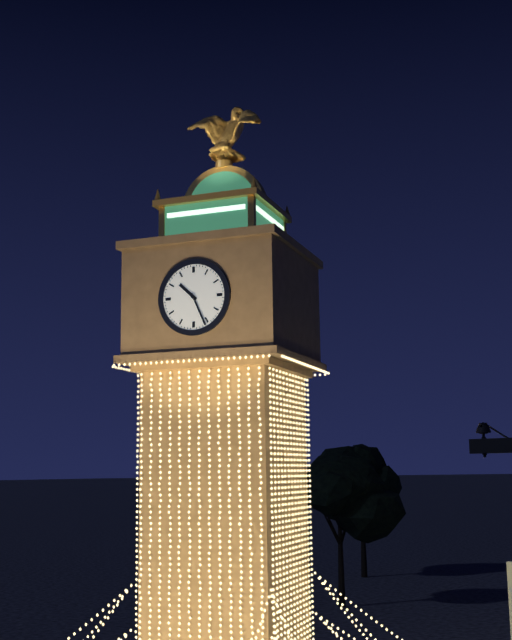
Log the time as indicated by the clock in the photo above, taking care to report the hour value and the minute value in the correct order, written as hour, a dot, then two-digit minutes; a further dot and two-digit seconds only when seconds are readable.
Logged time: 10.26
